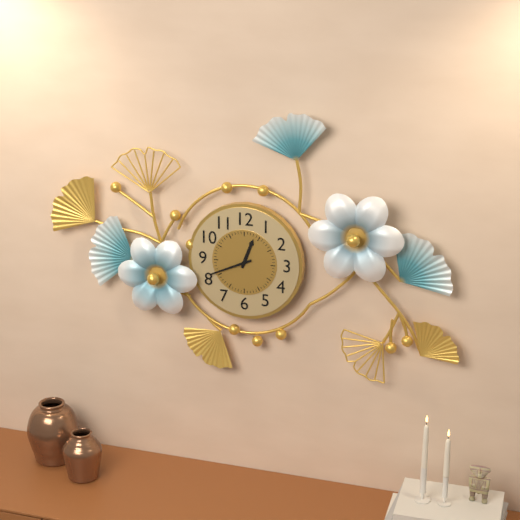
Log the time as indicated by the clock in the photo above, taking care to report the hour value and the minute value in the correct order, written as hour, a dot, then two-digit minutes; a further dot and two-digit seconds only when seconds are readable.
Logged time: 12.41
